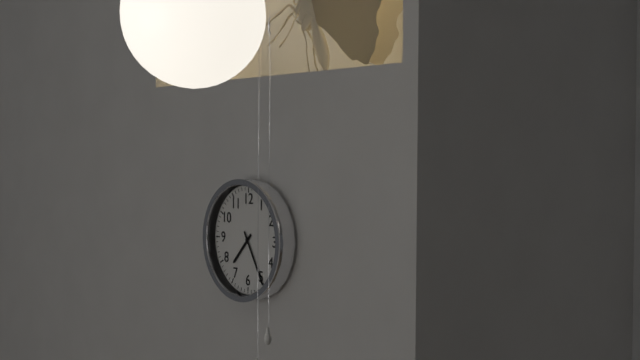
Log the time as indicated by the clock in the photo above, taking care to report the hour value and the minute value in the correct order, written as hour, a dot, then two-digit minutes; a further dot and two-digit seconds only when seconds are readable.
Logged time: 7.25
